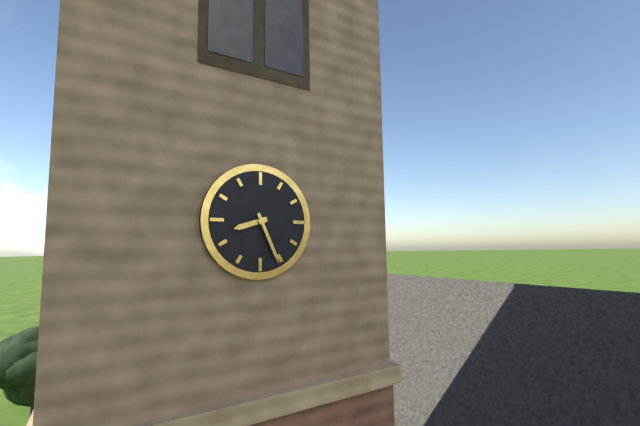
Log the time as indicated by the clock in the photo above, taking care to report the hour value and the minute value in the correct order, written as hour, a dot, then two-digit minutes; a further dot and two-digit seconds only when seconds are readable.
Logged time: 8.26
